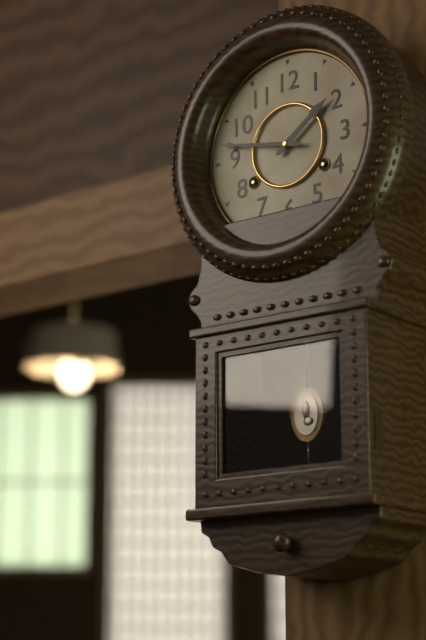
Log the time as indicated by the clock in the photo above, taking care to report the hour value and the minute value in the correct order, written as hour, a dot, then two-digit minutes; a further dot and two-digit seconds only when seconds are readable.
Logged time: 1.47
